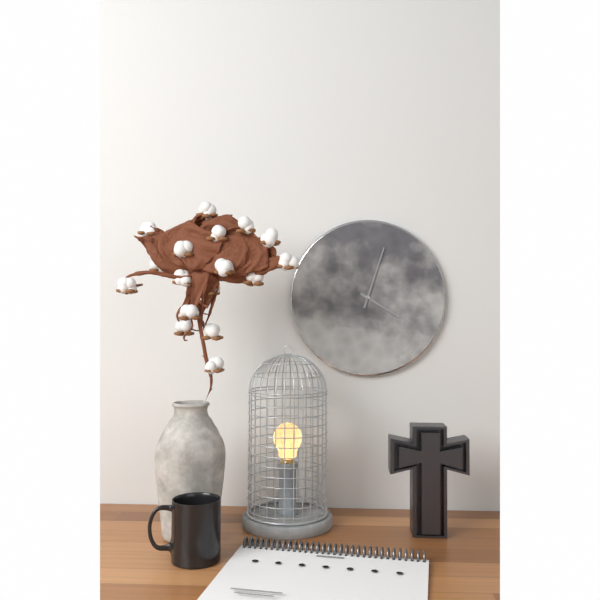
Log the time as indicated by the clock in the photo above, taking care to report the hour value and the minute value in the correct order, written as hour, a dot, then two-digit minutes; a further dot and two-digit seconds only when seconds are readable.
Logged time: 4.03
